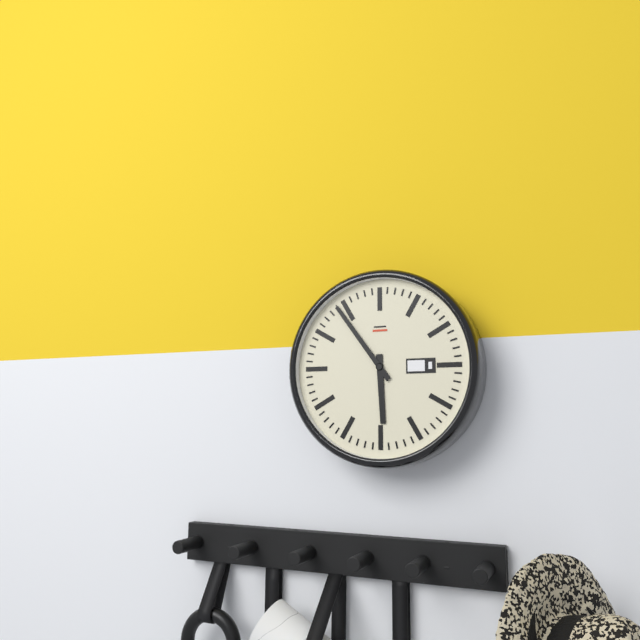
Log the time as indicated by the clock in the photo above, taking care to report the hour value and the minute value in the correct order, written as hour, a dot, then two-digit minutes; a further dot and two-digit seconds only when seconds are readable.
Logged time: 5.54
